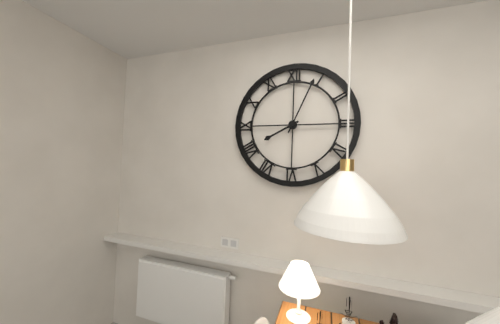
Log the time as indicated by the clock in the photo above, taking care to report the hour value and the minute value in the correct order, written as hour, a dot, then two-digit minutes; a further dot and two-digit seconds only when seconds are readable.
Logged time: 8.04
